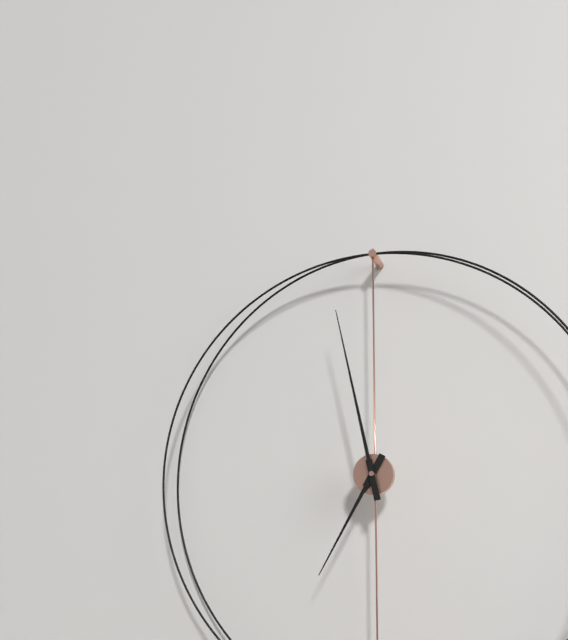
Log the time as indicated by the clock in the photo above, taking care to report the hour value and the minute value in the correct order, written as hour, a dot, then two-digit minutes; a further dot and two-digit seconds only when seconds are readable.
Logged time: 6.58
